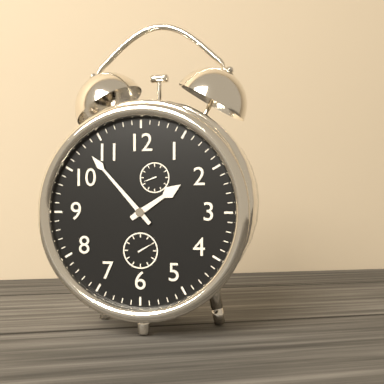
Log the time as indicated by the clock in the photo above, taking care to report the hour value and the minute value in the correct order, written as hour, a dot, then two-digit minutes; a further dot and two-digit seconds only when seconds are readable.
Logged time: 1.53
